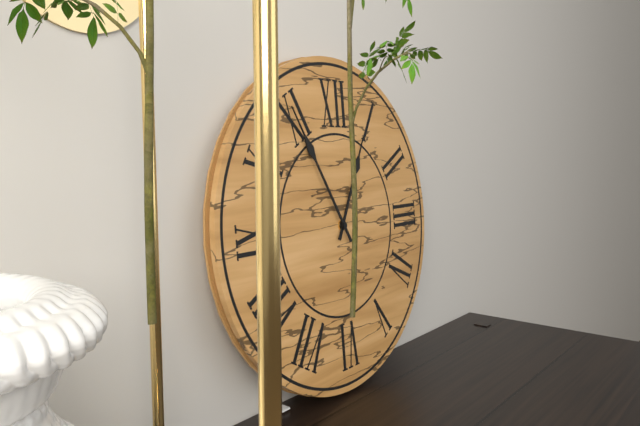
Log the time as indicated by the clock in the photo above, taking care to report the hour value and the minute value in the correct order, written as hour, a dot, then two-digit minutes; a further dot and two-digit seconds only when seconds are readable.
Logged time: 12.55
